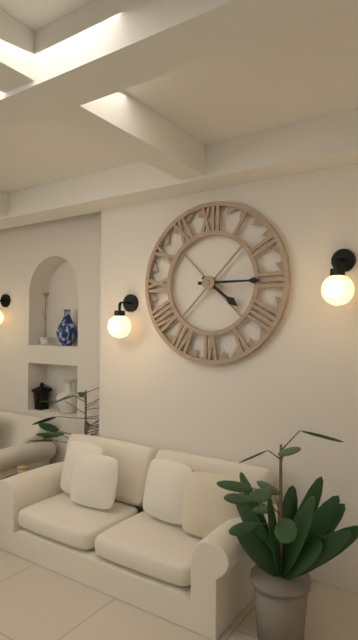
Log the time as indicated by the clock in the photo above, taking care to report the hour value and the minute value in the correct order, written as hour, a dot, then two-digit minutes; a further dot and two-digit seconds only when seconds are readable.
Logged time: 4.15
